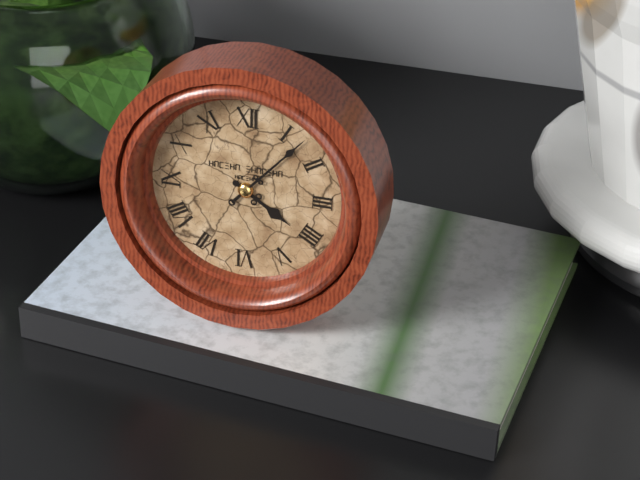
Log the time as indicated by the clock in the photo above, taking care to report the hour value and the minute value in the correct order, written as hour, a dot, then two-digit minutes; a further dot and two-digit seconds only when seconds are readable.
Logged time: 4.07
